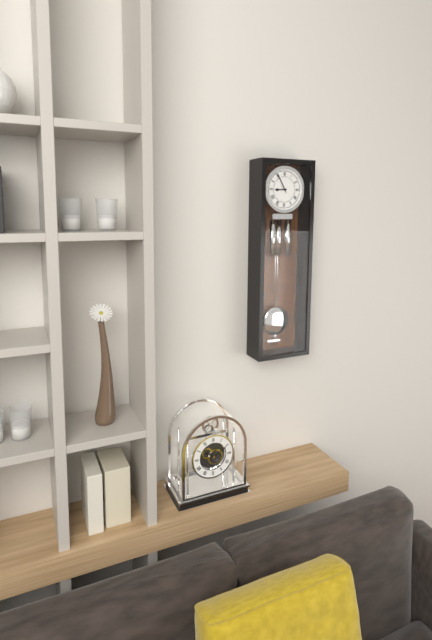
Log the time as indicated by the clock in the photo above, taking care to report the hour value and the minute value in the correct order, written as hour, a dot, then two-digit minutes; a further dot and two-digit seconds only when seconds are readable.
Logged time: 8.55
